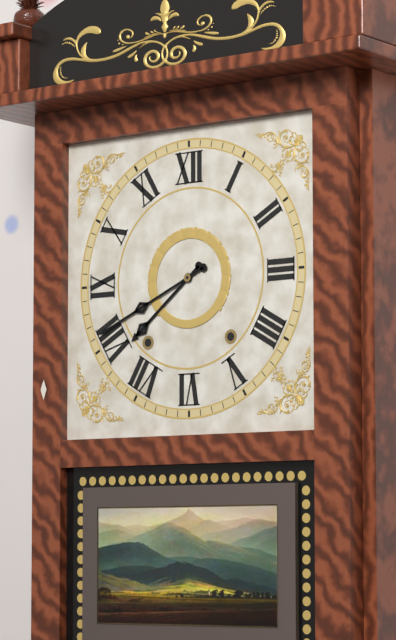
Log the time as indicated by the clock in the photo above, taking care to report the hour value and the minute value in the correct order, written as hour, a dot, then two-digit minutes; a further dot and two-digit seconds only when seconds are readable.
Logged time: 7.41
